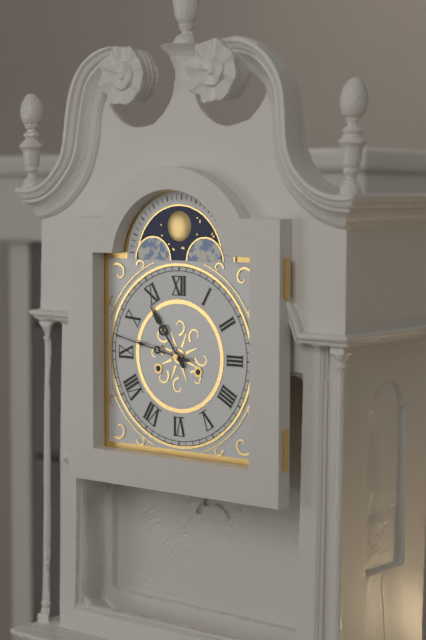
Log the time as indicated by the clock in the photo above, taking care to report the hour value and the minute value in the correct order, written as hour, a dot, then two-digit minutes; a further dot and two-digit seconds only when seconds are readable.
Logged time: 10.47
